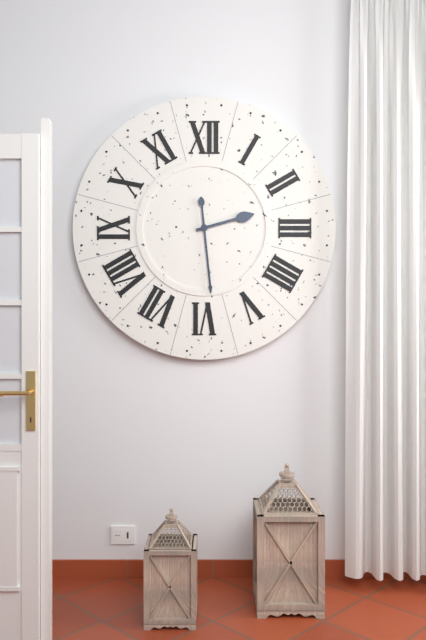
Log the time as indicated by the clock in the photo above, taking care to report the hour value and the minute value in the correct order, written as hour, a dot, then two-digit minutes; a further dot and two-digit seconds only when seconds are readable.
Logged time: 2.29
